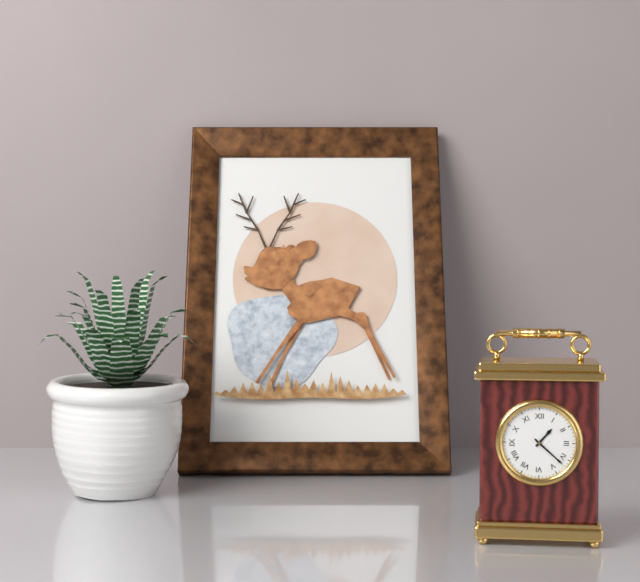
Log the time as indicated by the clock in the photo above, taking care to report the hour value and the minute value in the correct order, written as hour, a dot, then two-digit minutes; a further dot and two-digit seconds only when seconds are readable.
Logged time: 1.22
